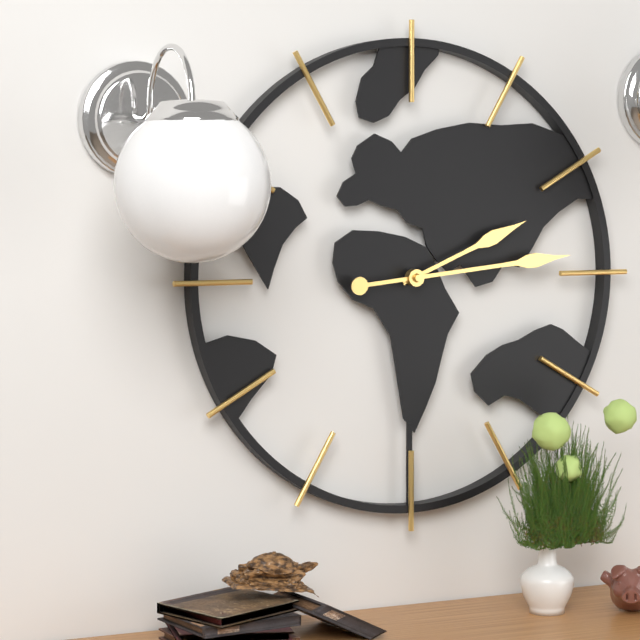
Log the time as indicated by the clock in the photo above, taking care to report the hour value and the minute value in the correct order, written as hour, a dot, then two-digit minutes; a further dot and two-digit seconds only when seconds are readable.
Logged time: 2.14
